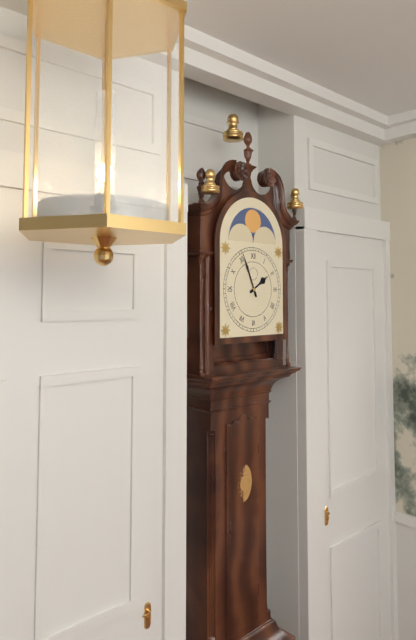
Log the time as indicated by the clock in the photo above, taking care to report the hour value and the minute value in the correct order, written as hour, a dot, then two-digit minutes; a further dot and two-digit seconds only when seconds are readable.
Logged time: 1.56
